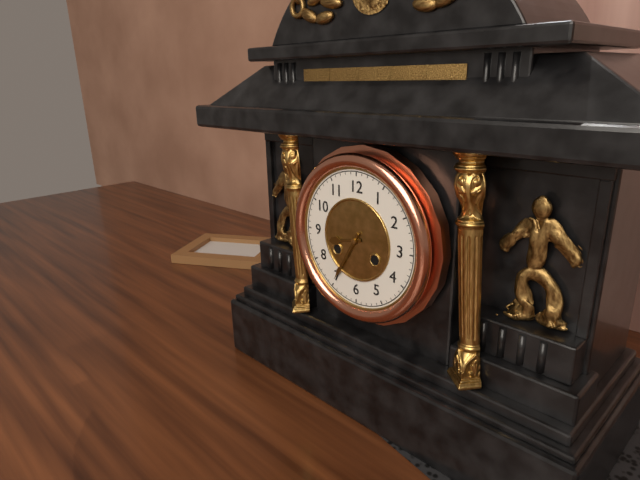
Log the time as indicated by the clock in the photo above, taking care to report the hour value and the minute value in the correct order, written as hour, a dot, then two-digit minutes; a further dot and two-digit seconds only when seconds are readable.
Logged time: 8.35
